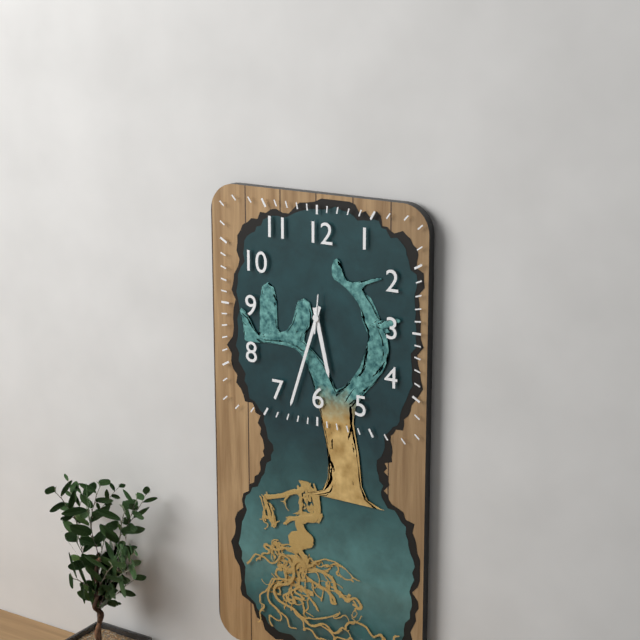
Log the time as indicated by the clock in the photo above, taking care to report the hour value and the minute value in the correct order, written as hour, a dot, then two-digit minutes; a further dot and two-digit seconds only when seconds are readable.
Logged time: 5.33
